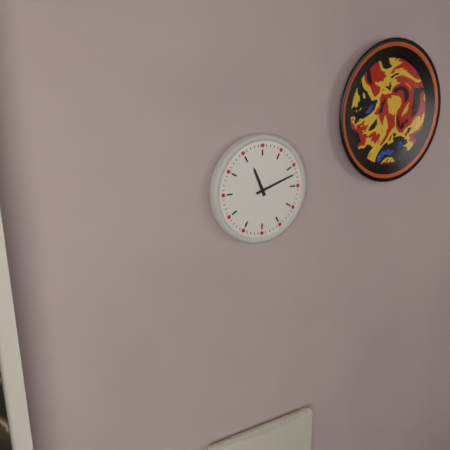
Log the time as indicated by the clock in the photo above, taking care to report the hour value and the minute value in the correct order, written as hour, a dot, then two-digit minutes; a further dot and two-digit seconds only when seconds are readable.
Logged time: 11.12
